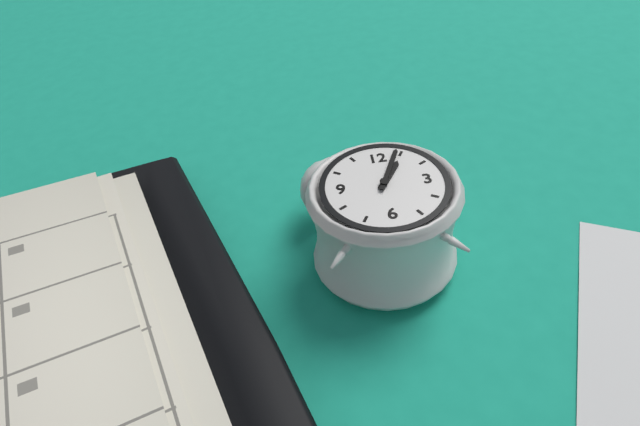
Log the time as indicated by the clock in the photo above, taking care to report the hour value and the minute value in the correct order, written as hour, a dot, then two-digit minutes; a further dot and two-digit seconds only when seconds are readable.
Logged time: 1.04
